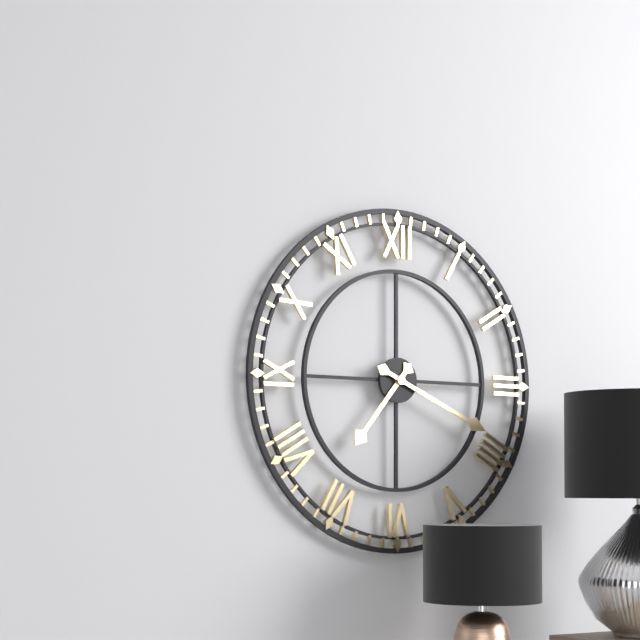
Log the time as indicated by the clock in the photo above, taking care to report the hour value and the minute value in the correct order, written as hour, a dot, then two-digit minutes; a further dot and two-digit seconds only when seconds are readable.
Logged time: 7.19
